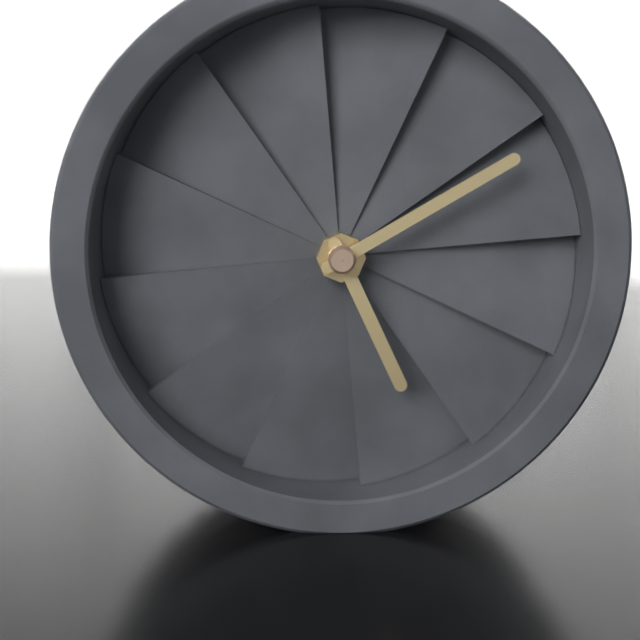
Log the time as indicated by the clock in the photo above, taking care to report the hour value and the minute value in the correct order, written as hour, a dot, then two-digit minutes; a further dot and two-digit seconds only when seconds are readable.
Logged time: 5.10
